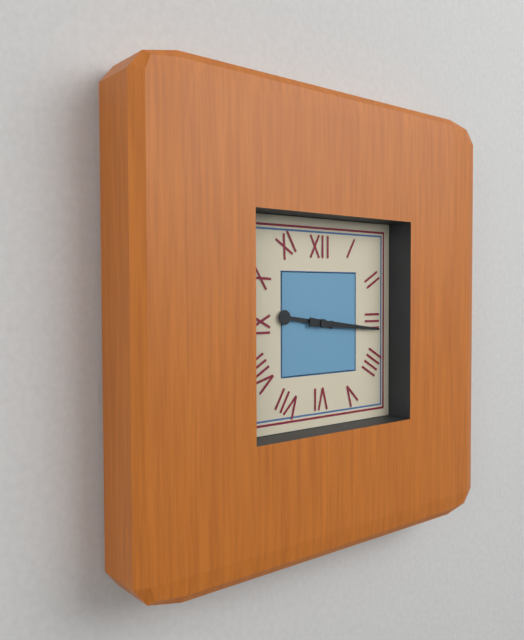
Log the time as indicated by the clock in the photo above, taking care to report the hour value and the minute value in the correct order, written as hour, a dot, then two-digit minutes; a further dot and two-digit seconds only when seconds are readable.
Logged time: 9.16
